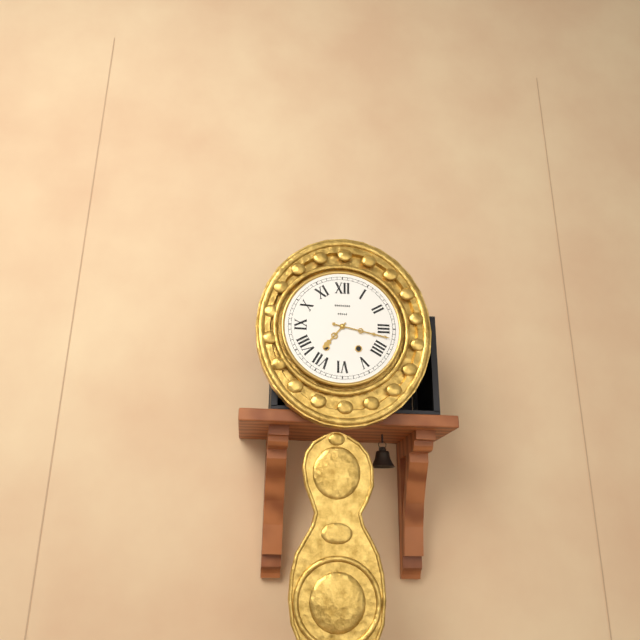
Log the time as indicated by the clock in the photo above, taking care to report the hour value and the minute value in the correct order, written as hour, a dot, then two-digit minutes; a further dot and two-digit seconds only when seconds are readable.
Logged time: 7.17
